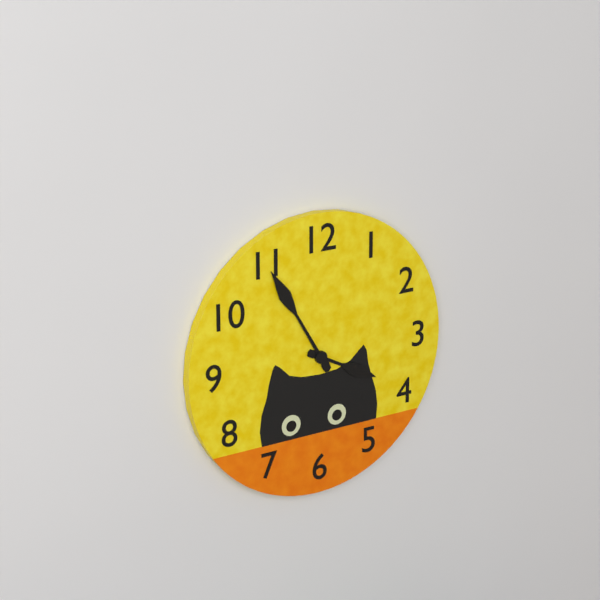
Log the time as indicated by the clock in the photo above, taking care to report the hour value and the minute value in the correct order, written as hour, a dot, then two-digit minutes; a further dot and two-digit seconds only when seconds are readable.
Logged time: 3.55
